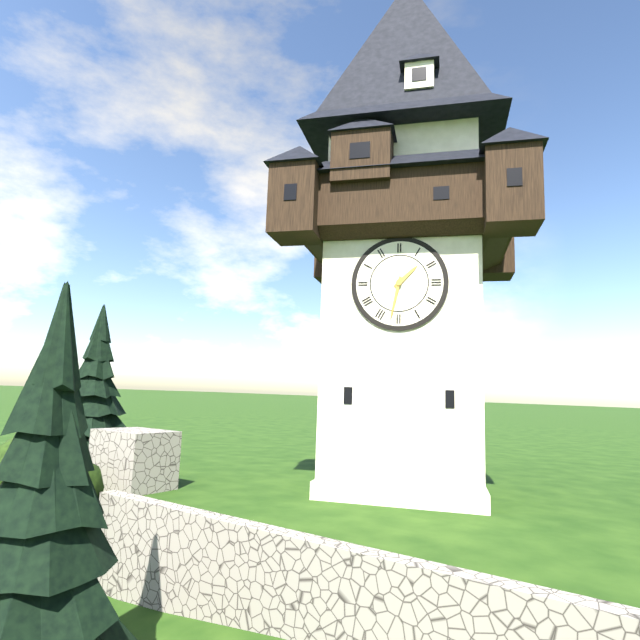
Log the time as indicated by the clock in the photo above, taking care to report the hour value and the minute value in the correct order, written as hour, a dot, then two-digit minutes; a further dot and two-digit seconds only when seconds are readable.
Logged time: 1.32
